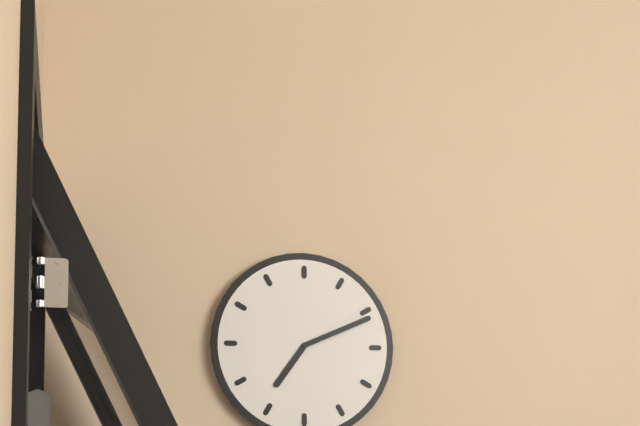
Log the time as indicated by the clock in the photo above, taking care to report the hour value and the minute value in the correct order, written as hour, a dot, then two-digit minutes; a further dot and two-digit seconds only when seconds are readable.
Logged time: 7.11
